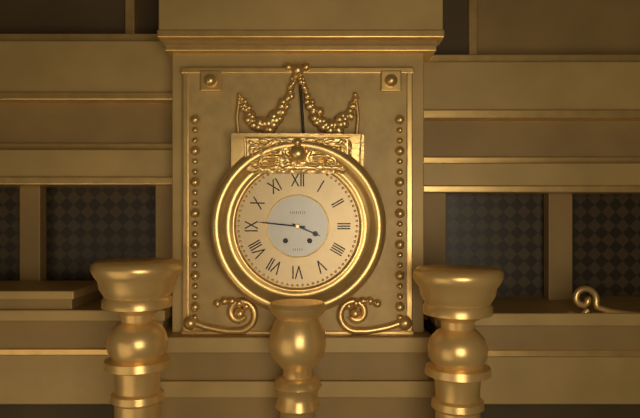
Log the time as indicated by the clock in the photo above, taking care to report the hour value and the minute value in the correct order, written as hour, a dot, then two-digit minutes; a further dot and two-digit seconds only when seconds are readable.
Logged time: 3.46
